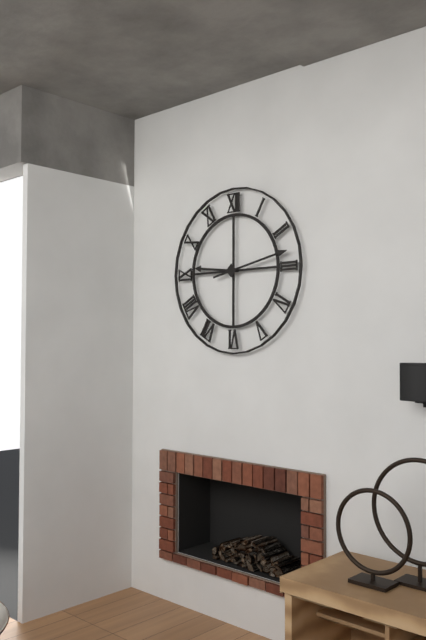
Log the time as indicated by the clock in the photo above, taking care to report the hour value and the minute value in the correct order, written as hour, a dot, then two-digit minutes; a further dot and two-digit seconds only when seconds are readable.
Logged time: 9.13
